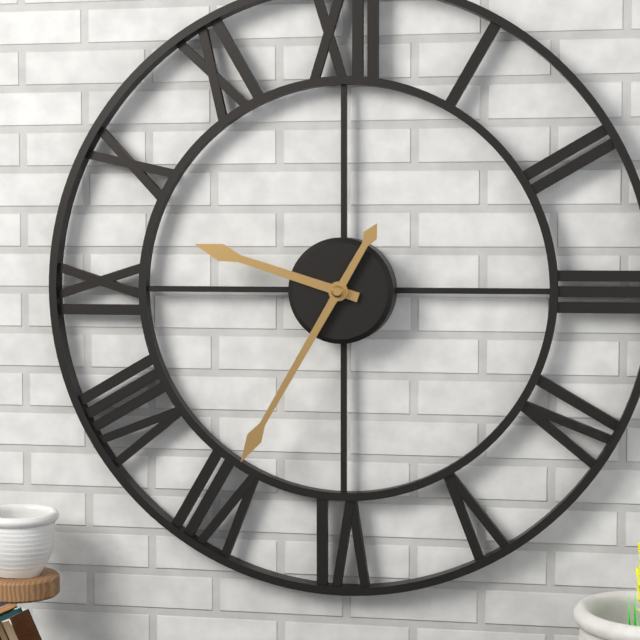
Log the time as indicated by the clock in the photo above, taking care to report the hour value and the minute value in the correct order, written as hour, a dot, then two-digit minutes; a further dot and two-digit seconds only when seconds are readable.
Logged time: 9.35
